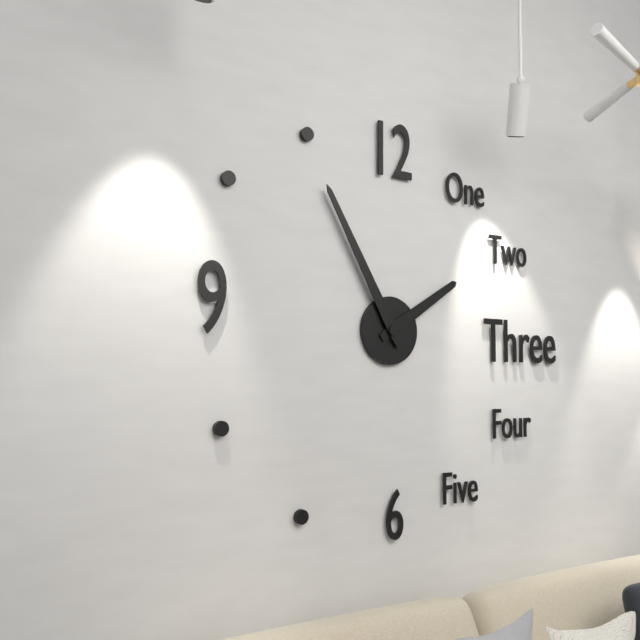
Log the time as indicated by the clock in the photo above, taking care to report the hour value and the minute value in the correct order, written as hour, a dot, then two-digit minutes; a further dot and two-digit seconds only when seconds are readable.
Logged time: 1.55
